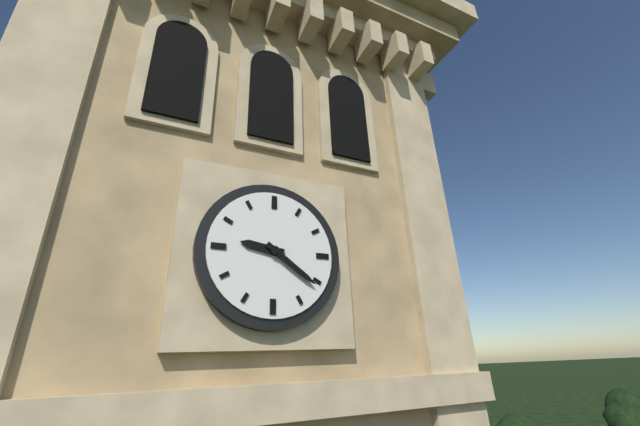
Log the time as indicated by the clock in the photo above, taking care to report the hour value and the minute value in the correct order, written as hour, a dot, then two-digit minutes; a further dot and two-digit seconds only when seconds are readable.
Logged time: 9.21
